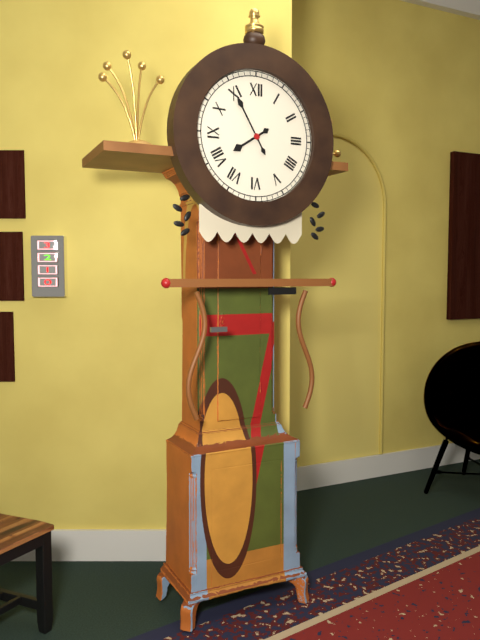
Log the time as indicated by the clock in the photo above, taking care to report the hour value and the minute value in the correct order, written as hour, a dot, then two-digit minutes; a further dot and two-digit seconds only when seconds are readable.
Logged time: 7.55
